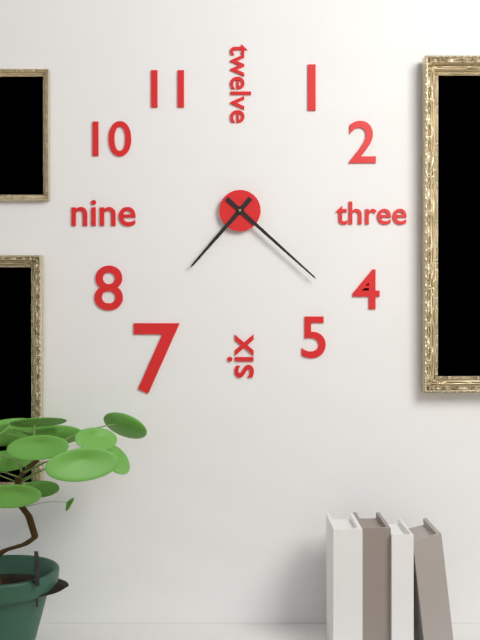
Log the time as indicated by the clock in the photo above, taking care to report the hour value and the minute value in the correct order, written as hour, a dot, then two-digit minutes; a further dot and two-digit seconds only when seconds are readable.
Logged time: 7.22
